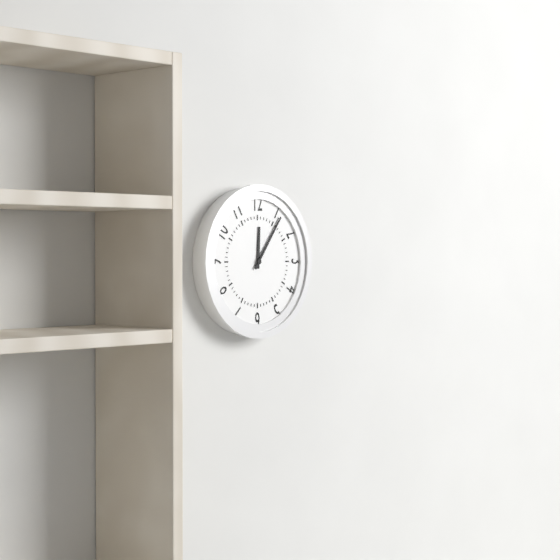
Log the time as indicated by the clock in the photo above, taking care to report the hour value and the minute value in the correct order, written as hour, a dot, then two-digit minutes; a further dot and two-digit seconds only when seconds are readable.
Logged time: 12.06
